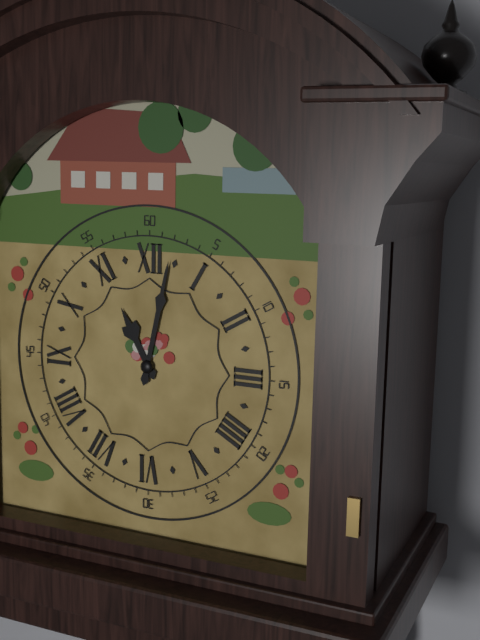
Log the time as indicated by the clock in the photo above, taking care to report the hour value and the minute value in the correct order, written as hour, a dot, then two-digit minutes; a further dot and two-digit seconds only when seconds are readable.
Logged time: 11.02
